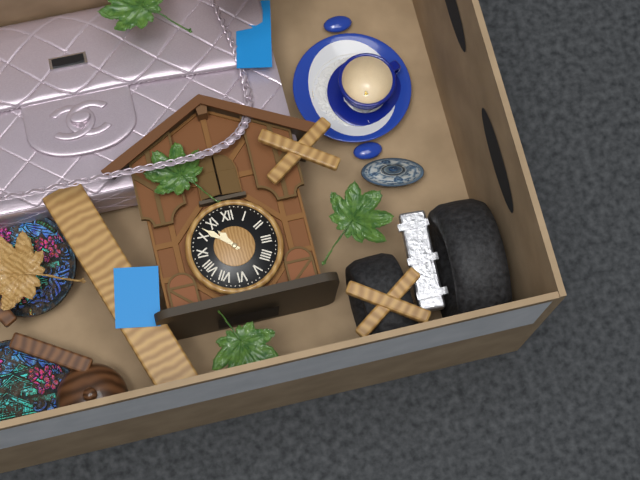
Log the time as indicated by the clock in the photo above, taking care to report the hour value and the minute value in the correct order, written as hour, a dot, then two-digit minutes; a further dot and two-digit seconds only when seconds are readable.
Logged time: 10.52
